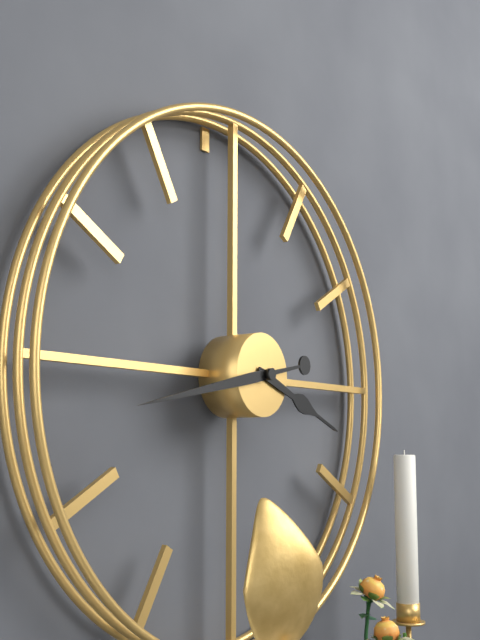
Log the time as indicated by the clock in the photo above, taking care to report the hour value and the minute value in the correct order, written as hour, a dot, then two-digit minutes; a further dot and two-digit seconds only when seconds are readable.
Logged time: 3.43
